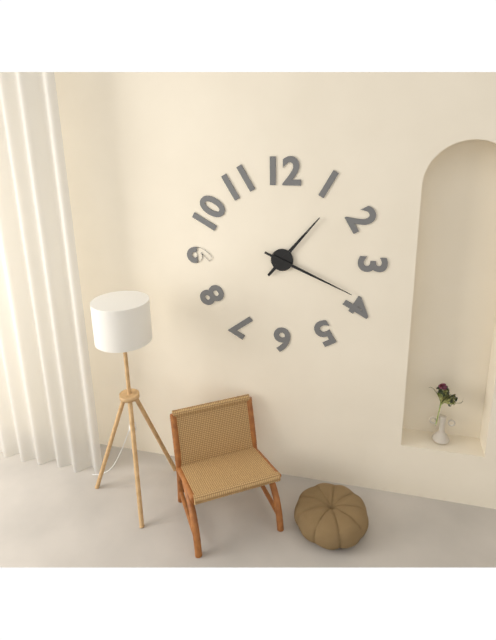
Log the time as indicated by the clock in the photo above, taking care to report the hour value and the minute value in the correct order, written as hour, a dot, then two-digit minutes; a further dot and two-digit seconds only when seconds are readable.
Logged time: 1.19
